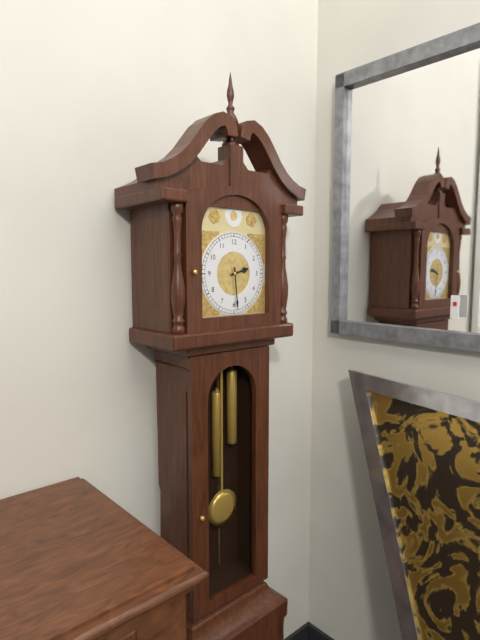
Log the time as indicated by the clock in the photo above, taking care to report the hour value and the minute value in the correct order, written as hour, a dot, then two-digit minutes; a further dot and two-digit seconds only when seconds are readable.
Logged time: 2.29
